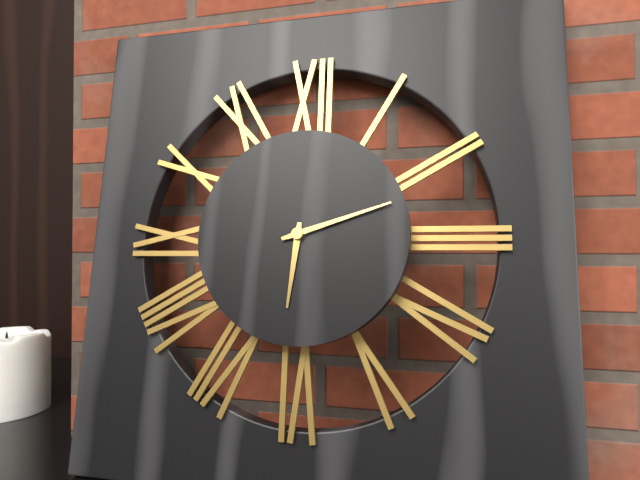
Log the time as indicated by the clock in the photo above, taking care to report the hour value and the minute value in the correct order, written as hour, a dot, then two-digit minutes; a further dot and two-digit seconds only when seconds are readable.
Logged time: 6.12
